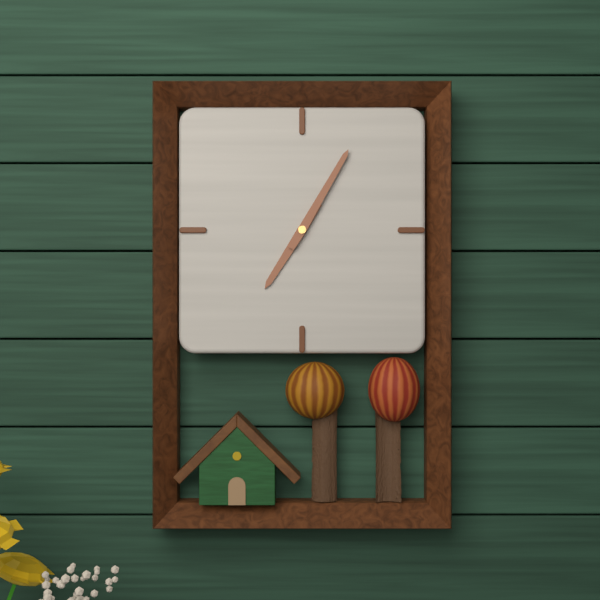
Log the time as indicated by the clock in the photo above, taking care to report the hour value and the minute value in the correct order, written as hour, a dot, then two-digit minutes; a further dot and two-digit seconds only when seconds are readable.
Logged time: 7.05
